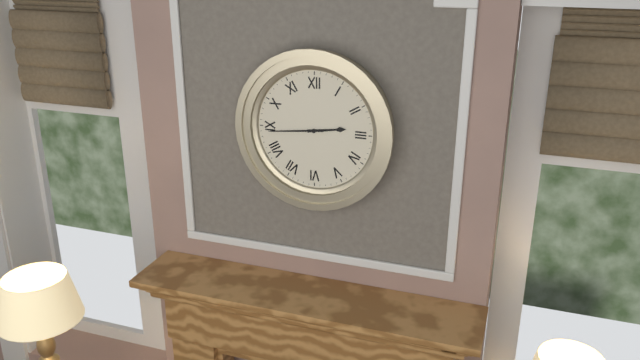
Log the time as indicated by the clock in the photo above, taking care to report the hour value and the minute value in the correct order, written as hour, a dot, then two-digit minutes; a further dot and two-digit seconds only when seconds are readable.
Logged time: 2.44
